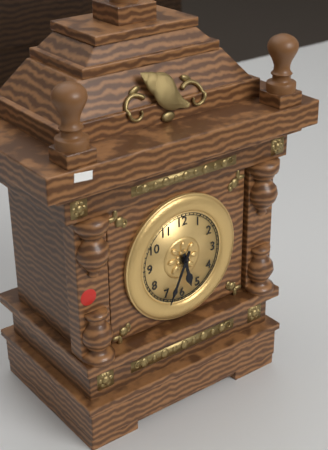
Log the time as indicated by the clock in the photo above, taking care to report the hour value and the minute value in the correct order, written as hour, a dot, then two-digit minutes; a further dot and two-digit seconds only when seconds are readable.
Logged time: 5.34
